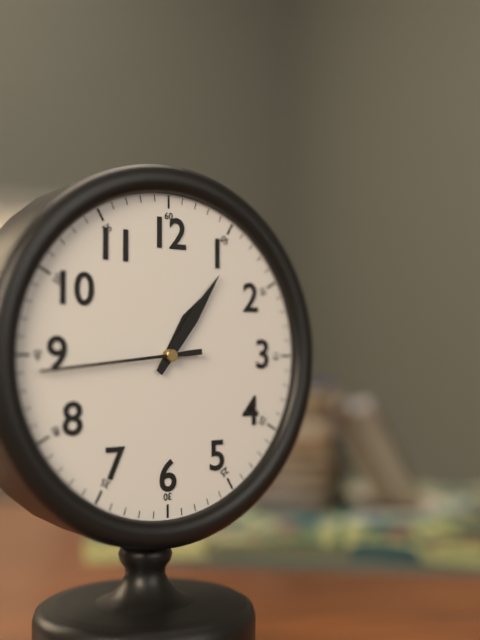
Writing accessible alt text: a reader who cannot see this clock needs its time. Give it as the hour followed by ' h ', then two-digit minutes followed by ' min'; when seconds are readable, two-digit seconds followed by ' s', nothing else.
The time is 1 h 06 min 44 s
